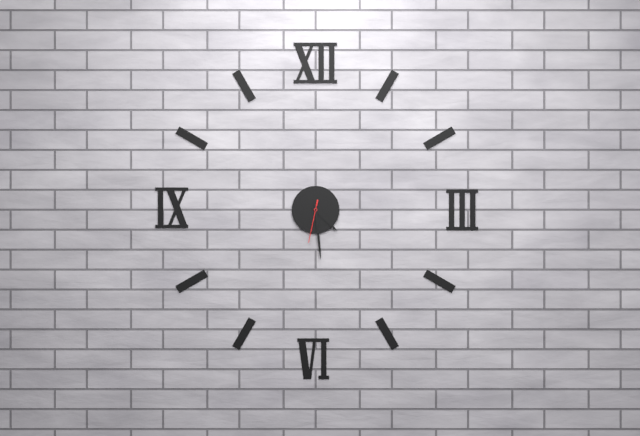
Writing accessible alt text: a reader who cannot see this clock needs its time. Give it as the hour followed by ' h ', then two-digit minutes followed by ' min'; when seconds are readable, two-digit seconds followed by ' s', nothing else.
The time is 4 h 29 min
